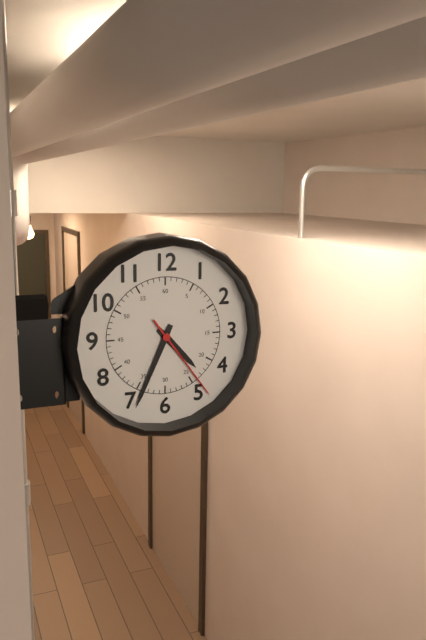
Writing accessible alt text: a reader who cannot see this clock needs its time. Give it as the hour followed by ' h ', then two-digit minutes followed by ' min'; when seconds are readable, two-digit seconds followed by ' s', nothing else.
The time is 4 h 34 min 24 s
